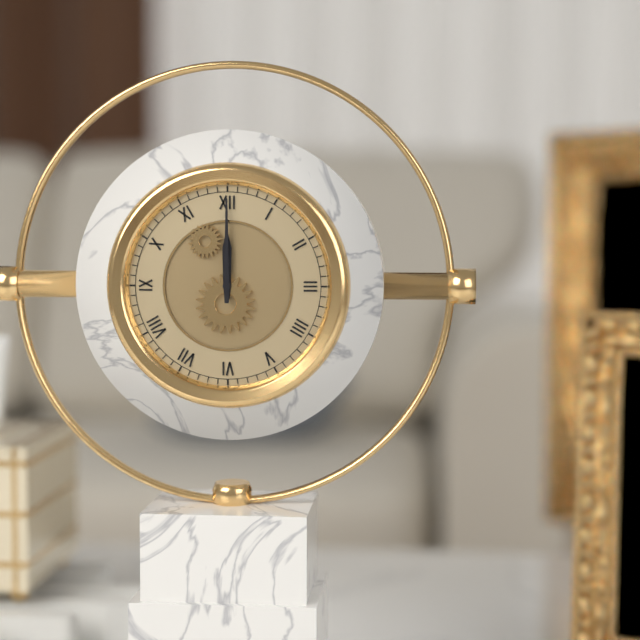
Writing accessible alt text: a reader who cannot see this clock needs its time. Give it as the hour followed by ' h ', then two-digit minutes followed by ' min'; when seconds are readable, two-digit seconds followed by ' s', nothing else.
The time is 12 h 00 min
